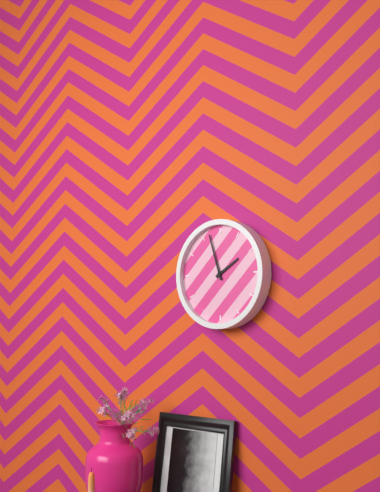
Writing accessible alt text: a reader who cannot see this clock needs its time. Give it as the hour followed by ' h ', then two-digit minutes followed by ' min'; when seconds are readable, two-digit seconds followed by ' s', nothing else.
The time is 1 h 57 min
